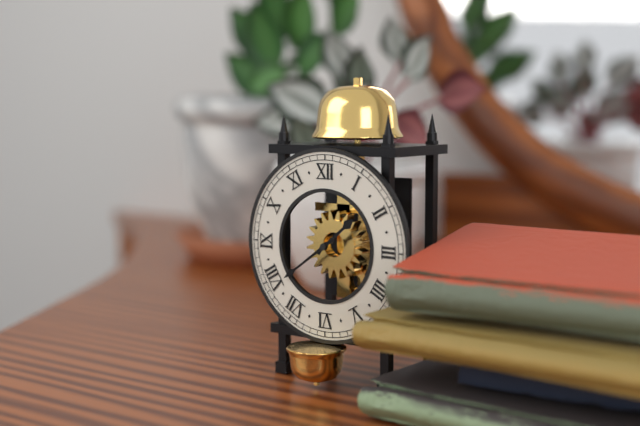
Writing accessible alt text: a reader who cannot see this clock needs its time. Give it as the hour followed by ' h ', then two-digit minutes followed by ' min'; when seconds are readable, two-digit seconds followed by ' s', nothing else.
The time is 1 h 39 min
